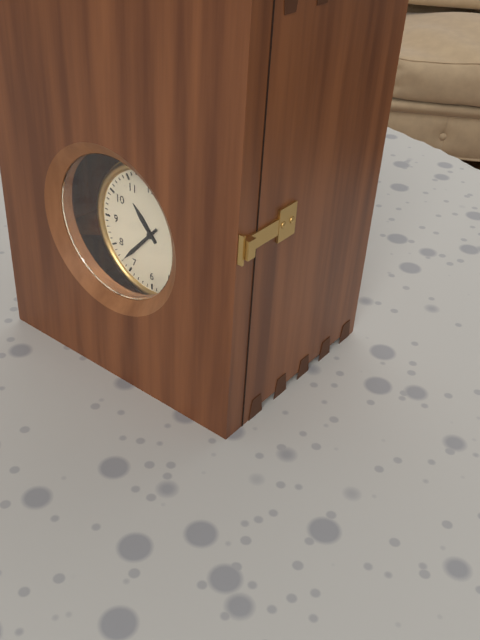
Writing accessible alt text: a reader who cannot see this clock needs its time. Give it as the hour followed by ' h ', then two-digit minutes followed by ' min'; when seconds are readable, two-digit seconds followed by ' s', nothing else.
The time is 10 h 37 min
